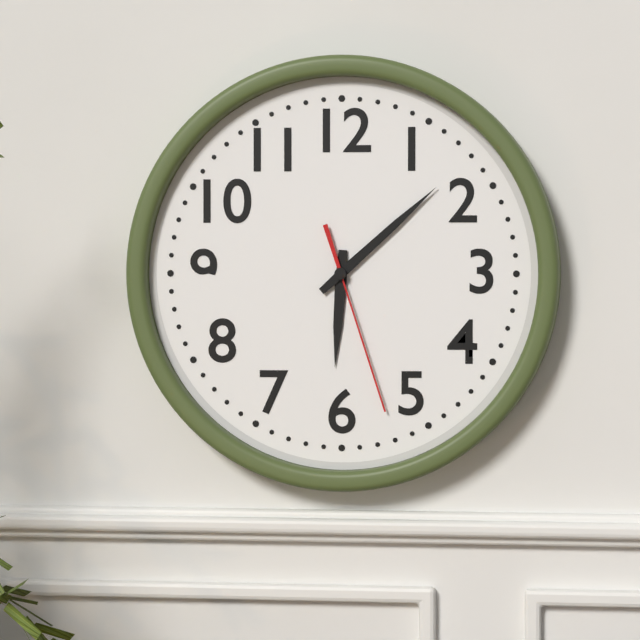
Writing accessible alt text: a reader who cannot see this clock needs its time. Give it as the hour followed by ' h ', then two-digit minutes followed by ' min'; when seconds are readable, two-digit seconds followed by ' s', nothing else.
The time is 6 h 08 min 27 s
